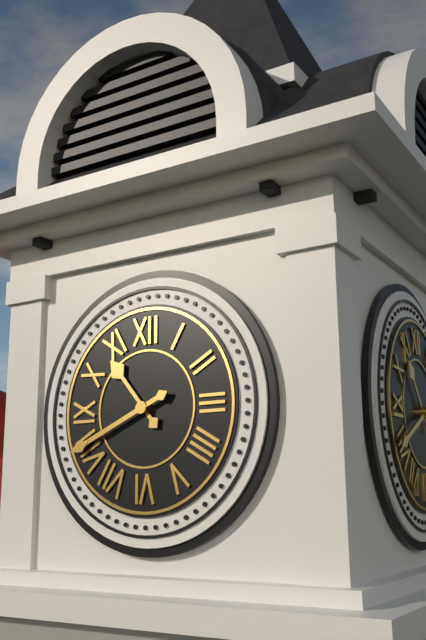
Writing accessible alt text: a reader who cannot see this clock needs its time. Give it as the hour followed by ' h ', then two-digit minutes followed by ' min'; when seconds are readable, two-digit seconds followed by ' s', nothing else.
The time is 10 h 41 min
